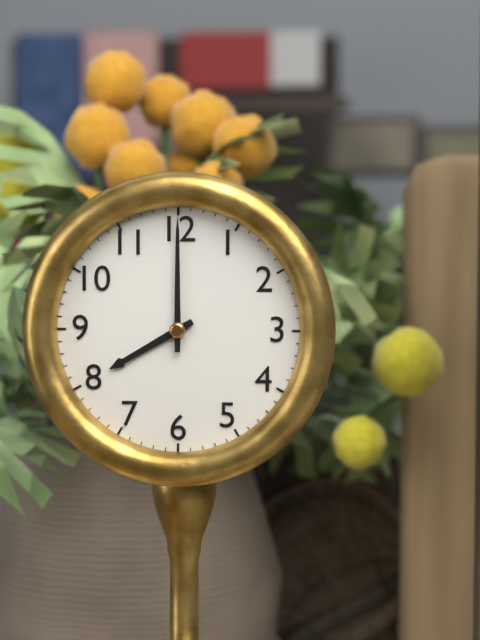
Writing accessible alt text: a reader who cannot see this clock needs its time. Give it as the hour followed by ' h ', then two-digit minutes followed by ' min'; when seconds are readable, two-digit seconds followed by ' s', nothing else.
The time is 8 h 00 min
